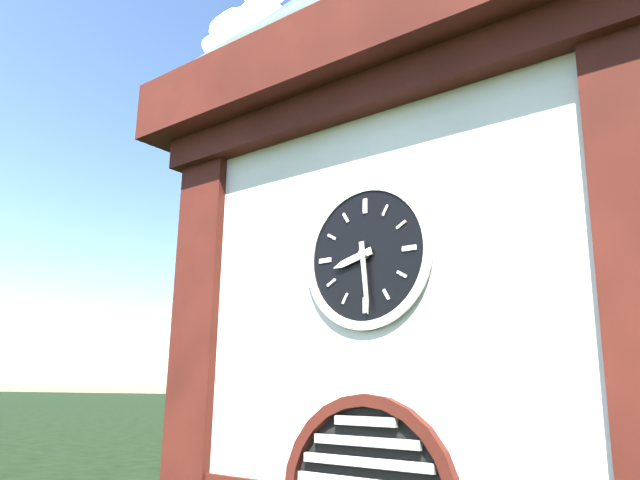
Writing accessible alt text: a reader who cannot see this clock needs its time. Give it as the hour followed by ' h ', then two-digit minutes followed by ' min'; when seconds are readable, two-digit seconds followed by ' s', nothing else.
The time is 8 h 29 min
